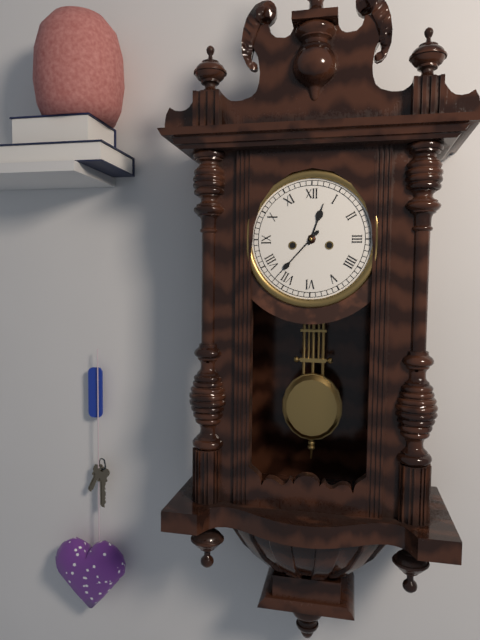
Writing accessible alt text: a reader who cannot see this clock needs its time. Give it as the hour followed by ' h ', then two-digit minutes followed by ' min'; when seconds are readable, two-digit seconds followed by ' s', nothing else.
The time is 12 h 37 min
